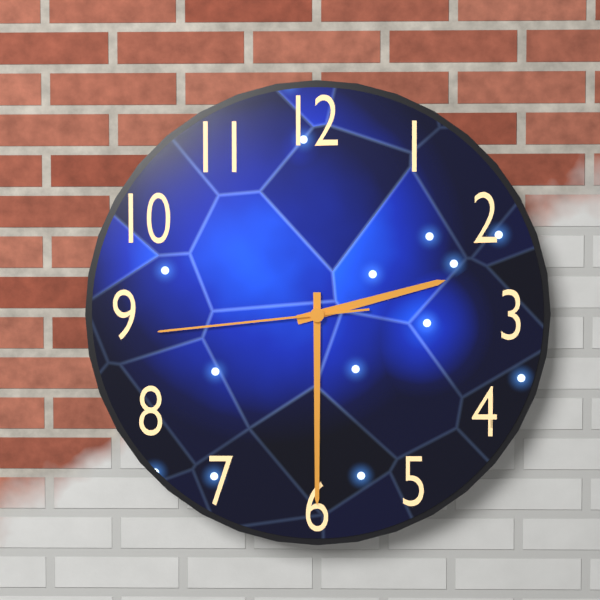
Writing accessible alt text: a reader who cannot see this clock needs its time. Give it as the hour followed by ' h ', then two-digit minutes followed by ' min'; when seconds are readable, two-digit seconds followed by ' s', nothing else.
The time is 2 h 30 min 44 s
